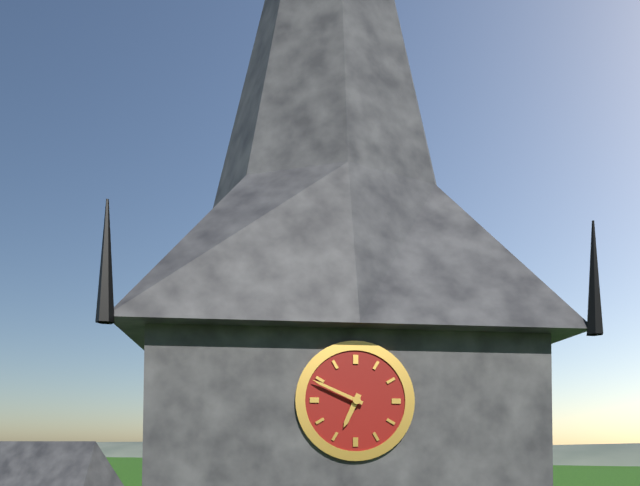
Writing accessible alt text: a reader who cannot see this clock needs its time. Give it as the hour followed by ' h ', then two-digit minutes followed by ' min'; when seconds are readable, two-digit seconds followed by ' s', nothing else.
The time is 6 h 49 min
